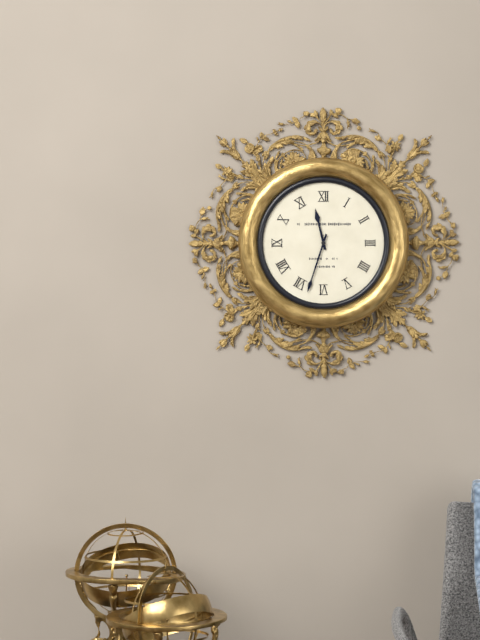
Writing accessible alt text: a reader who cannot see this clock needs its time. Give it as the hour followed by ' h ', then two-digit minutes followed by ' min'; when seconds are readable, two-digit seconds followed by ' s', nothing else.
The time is 11 h 33 min
